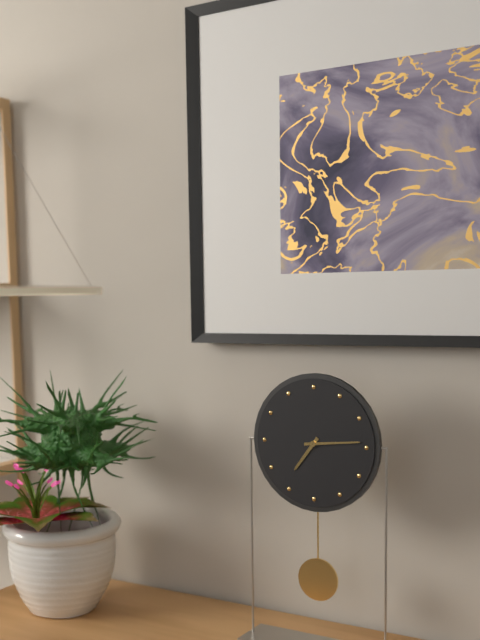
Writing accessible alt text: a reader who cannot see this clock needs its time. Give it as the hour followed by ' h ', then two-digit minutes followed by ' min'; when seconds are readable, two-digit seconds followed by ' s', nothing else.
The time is 7 h 14 min
